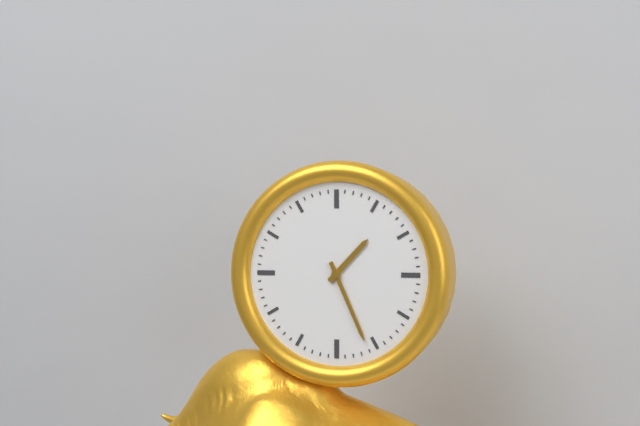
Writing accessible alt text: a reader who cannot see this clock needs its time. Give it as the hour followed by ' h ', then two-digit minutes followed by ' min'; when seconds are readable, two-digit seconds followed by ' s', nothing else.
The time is 1 h 26 min
